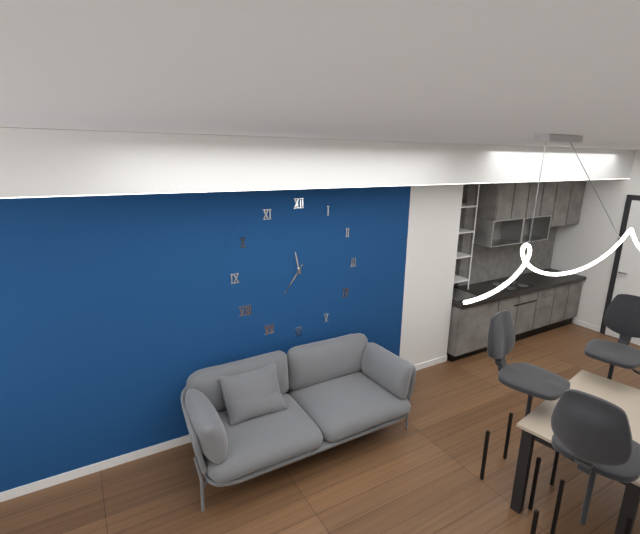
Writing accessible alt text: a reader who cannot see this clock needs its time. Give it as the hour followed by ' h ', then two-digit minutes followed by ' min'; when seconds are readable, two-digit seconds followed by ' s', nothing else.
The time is 11 h 36 min
